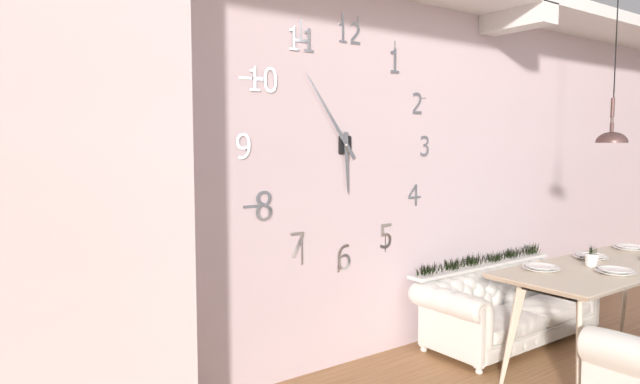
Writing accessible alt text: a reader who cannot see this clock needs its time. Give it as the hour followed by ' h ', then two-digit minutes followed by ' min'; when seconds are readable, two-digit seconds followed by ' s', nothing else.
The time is 5 h 54 min
